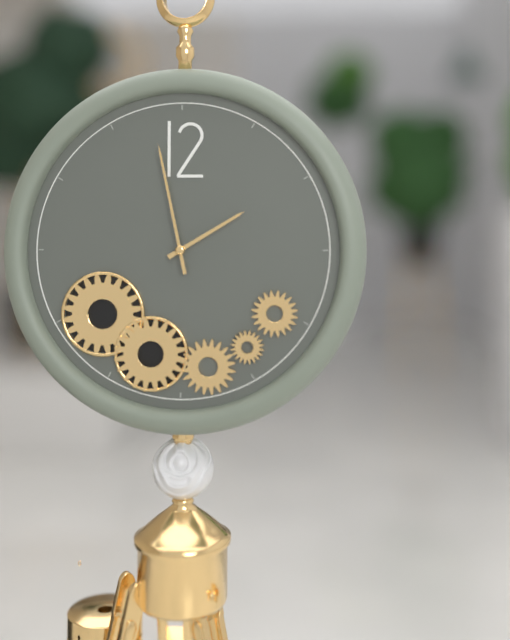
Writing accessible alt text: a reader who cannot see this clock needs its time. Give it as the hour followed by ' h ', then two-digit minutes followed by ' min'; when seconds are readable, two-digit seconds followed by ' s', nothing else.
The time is 1 h 58 min
